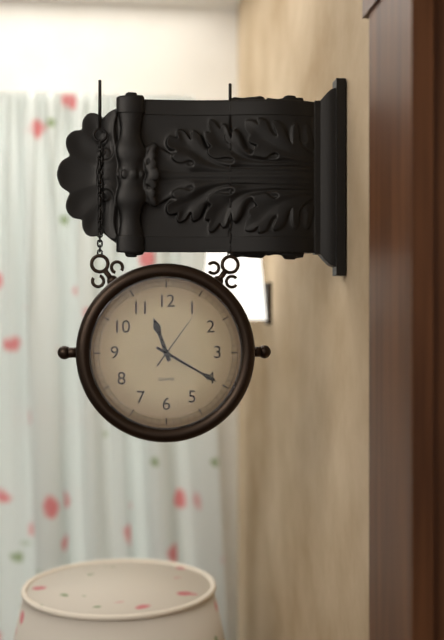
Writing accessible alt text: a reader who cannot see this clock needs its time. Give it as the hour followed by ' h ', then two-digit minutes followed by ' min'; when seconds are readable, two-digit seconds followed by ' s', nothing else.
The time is 11 h 20 min 06 s
